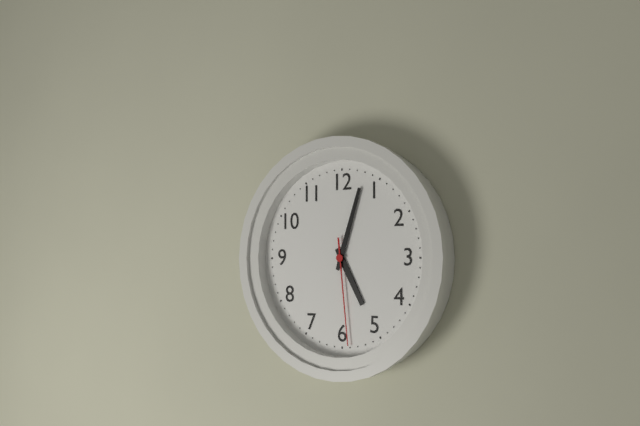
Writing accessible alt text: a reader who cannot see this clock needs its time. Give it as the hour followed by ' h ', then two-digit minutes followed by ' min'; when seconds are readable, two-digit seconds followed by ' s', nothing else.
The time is 5 h 03 min 29 s
